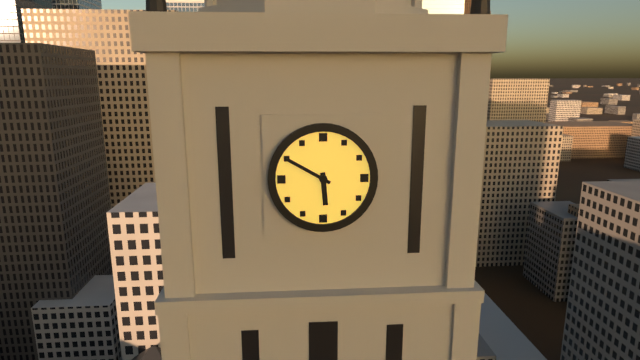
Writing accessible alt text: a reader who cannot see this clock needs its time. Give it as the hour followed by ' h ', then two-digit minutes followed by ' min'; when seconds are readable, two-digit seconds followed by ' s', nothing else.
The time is 5 h 50 min
